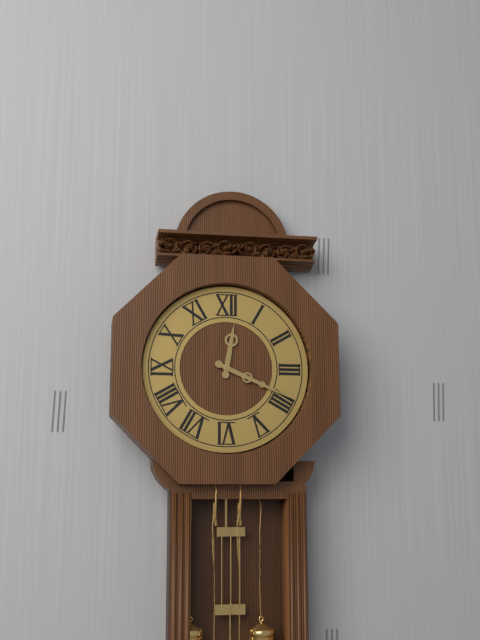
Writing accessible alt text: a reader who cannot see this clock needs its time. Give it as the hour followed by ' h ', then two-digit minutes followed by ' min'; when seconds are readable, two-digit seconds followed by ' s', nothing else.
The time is 12 h 19 min
